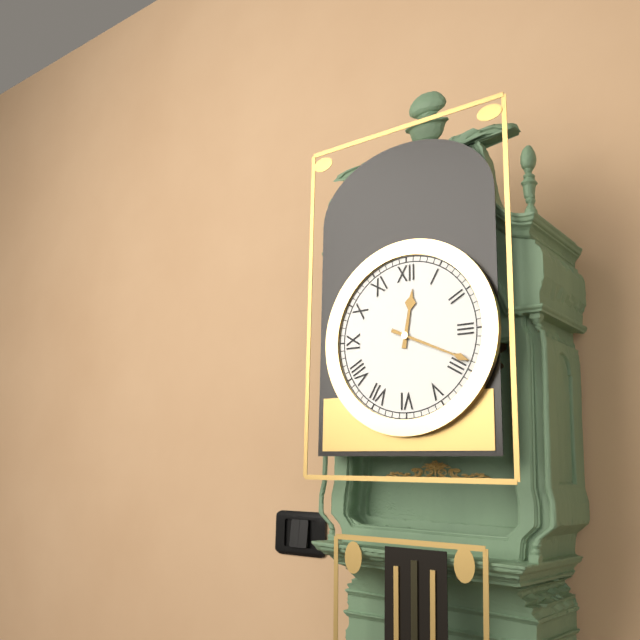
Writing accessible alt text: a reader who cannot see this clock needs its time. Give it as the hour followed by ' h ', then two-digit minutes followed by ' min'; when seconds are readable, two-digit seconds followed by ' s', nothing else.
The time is 12 h 19 min
